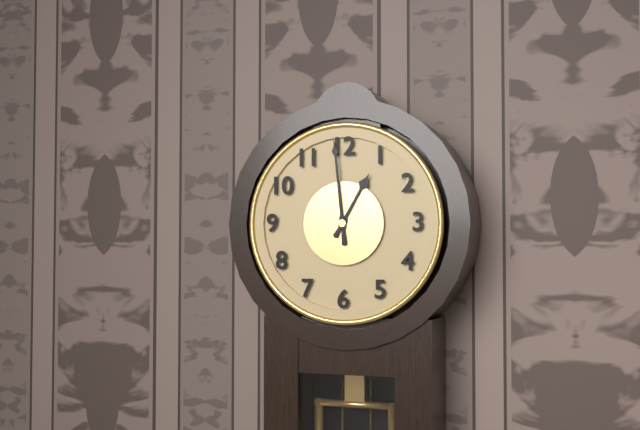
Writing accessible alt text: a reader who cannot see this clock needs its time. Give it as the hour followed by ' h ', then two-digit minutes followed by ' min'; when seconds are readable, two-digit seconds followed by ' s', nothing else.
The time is 12 h 59 min
